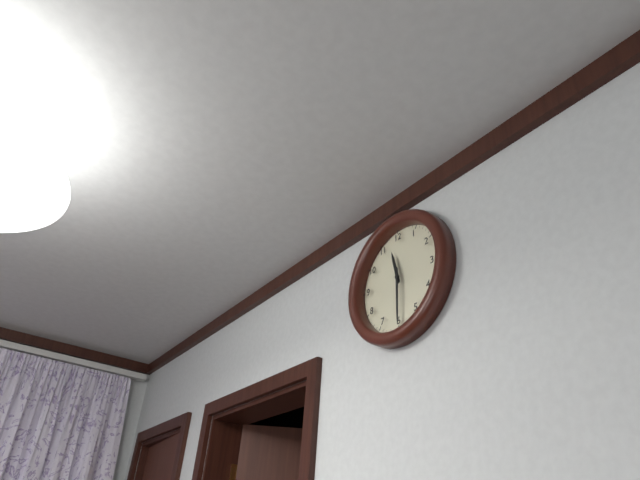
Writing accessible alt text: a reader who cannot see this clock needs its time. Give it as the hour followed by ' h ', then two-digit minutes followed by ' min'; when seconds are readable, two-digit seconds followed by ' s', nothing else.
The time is 11 h 30 min
